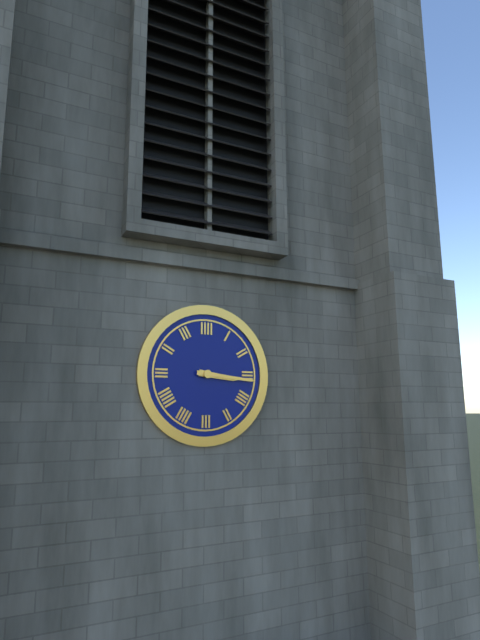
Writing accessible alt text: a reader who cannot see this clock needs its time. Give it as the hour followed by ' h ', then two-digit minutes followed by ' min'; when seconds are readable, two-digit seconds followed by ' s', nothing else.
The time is 3 h 16 min
